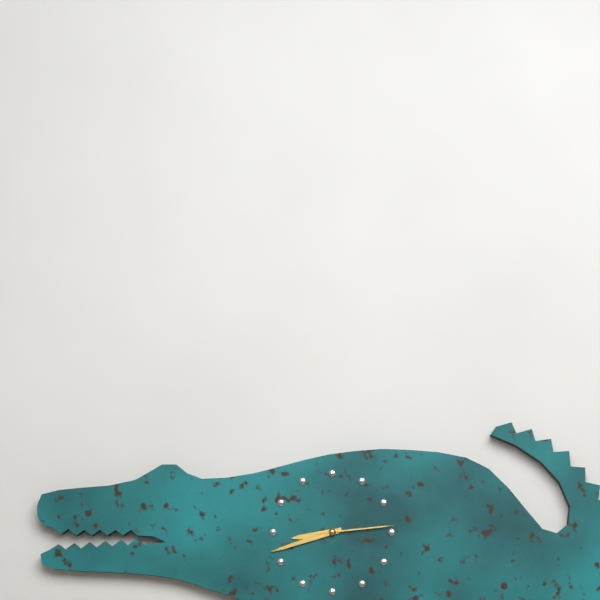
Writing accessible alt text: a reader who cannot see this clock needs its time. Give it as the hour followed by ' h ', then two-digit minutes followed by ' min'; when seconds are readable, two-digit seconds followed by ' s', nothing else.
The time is 8 h 42 min 14 s
